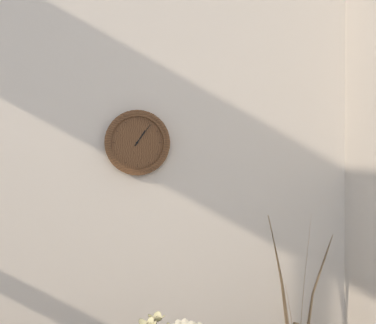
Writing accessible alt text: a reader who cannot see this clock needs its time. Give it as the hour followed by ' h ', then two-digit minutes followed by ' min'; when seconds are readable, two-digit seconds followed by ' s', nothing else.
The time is 1 h 06 min
